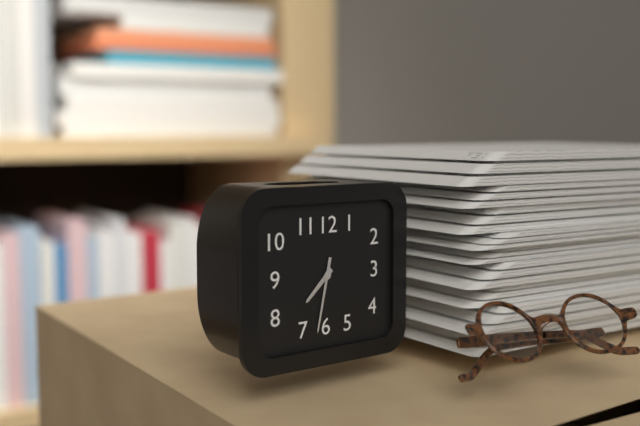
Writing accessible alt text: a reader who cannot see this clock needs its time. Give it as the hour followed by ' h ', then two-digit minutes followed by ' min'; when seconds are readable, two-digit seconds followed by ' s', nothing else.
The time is 7 h 32 min
